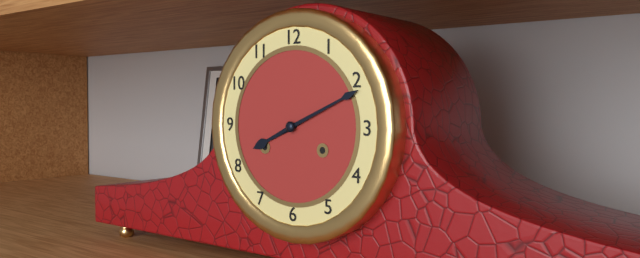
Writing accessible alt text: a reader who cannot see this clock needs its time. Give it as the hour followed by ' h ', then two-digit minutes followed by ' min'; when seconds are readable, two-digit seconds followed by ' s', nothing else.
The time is 8 h 11 min
